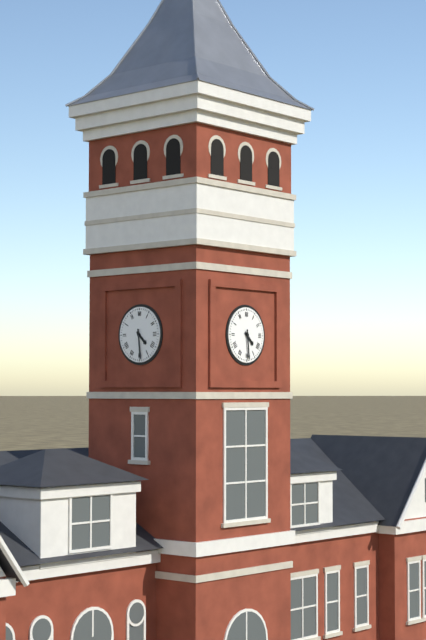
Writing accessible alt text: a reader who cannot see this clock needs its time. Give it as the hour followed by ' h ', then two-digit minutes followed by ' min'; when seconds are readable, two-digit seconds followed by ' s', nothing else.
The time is 4 h 29 min
